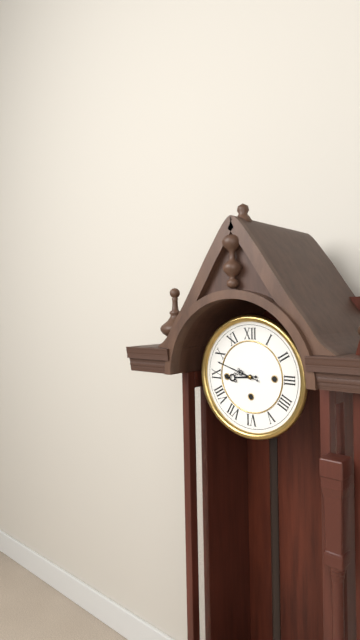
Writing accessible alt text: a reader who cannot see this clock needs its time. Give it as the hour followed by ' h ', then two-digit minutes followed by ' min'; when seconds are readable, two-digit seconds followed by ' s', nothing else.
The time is 8 h 48 min
